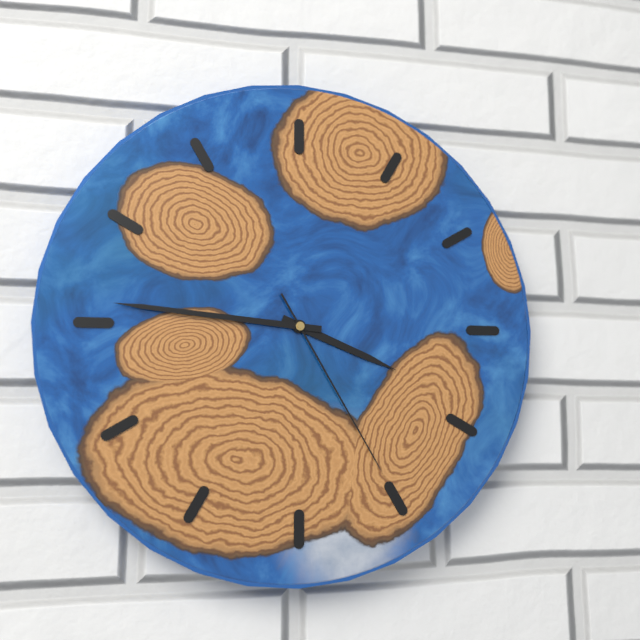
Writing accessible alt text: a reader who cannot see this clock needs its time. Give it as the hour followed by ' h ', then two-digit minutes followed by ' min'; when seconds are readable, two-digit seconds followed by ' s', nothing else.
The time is 3 h 46 min 25 s
